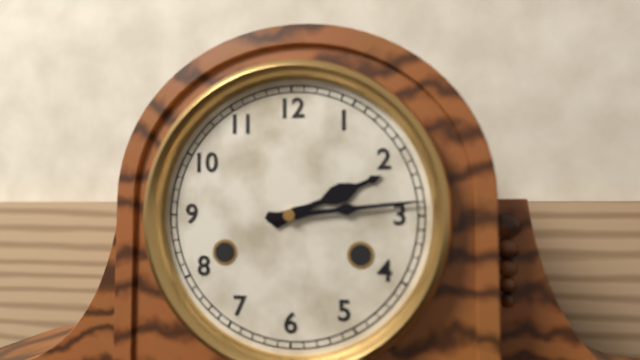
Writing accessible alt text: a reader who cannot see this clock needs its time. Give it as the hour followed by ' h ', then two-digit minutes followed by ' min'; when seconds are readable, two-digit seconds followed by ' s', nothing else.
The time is 2 h 14 min
